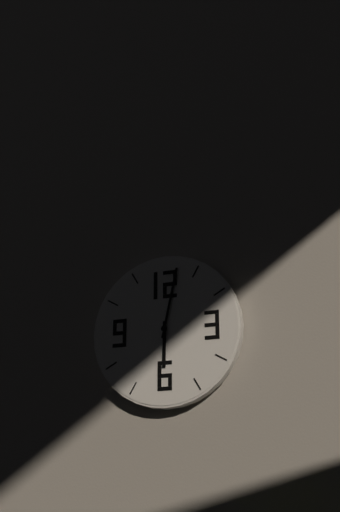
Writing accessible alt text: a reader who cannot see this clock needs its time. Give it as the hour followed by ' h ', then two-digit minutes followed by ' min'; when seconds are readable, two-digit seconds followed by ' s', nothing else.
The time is 6 h 02 min
